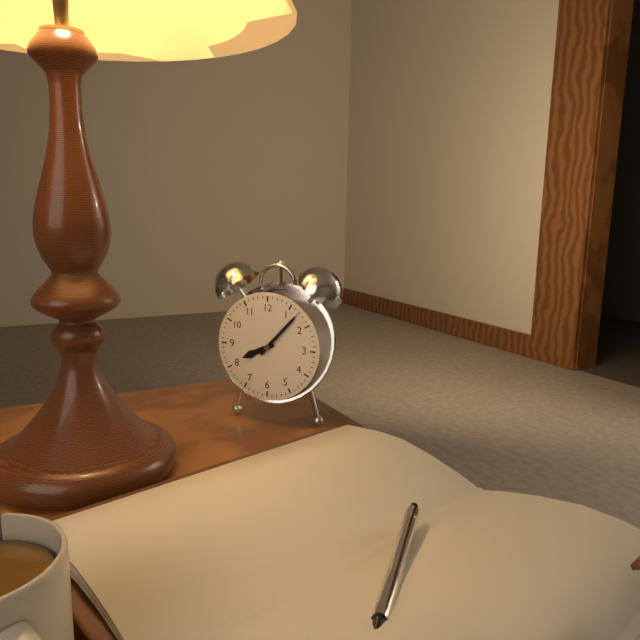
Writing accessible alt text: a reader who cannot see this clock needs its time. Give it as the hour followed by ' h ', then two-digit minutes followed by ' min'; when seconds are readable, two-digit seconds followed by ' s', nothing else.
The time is 8 h 07 min
